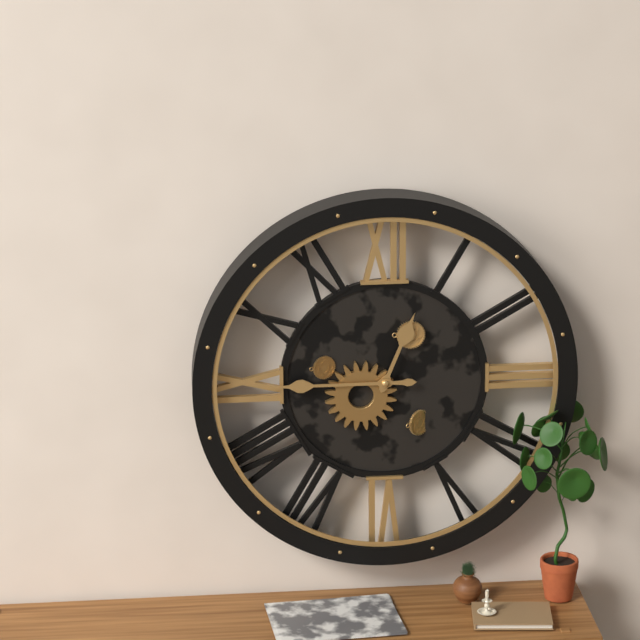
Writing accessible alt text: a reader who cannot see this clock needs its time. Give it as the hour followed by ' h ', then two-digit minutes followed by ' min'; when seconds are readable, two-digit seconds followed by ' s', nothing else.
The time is 12 h 45 min
